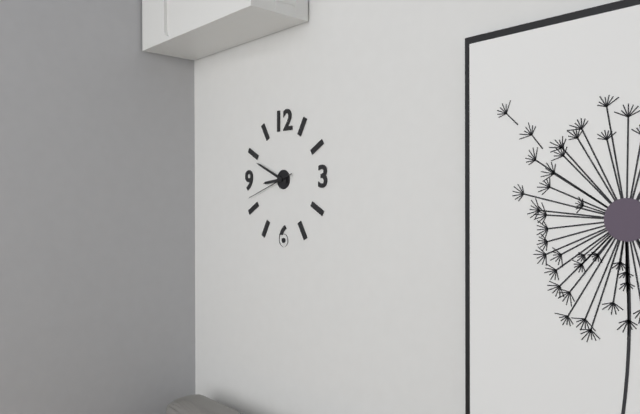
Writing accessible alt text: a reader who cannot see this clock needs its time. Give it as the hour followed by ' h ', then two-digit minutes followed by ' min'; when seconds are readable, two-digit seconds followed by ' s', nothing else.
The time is 8 h 49 min
